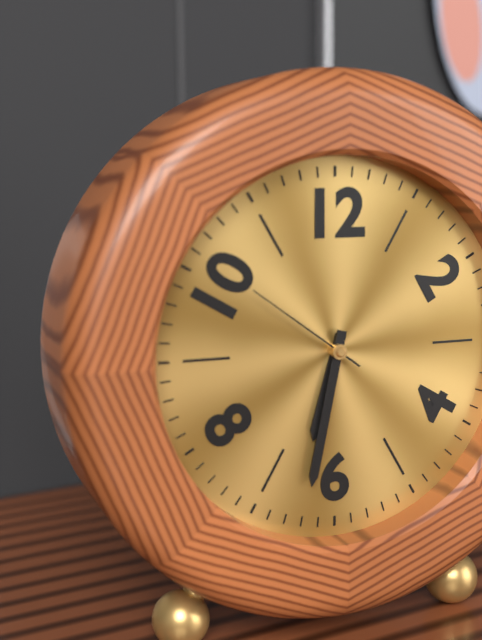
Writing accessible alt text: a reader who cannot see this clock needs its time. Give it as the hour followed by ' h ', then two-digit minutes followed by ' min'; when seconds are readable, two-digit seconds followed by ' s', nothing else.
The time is 6 h 32 min 51 s
